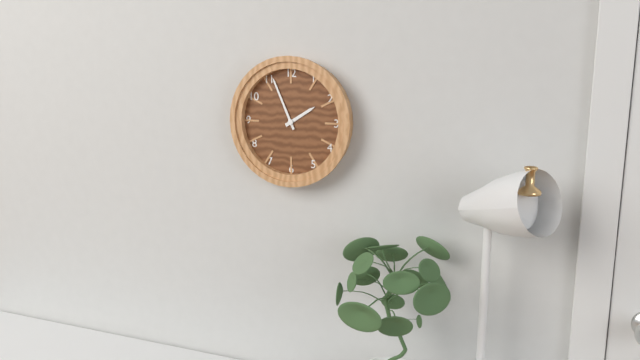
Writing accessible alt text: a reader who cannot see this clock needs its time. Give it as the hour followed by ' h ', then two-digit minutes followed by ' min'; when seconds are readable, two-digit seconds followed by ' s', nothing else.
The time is 1 h 56 min
